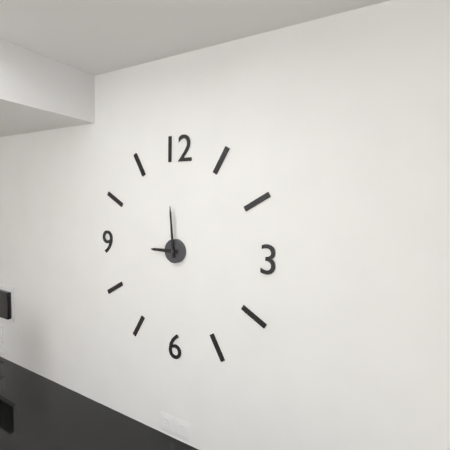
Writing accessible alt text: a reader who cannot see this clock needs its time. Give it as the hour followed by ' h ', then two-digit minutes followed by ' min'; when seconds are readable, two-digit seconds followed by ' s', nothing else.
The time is 8 h 59 min
